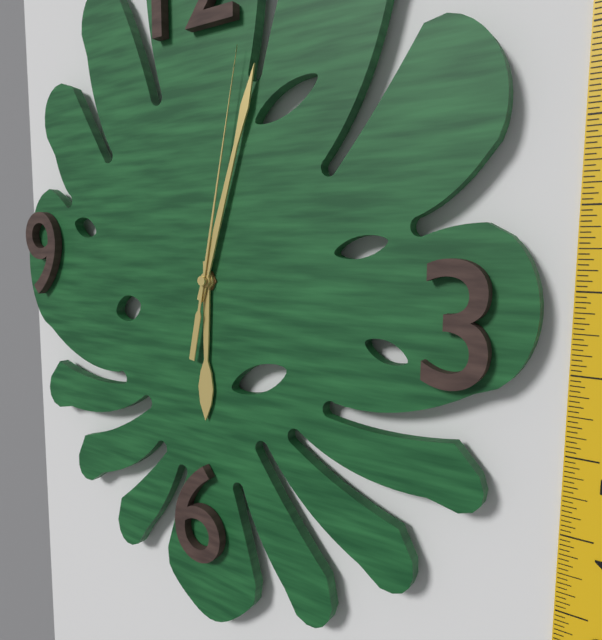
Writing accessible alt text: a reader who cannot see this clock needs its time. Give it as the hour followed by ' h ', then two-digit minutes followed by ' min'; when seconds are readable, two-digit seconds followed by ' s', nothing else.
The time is 6 h 03 min 02 s
